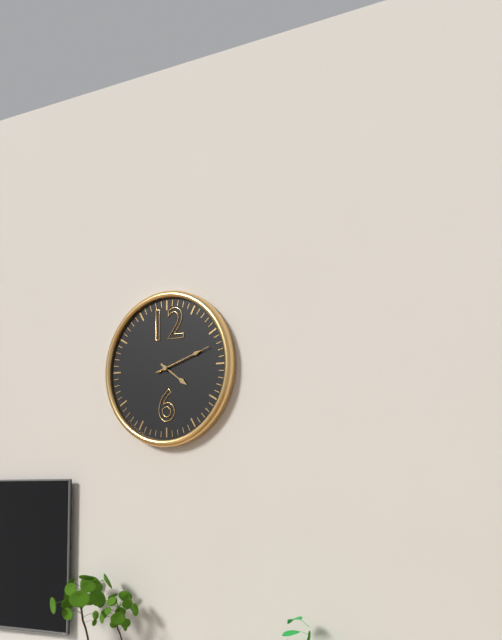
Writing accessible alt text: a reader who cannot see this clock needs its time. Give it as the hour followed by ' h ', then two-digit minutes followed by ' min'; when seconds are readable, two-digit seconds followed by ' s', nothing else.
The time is 4 h 12 min 12 s
